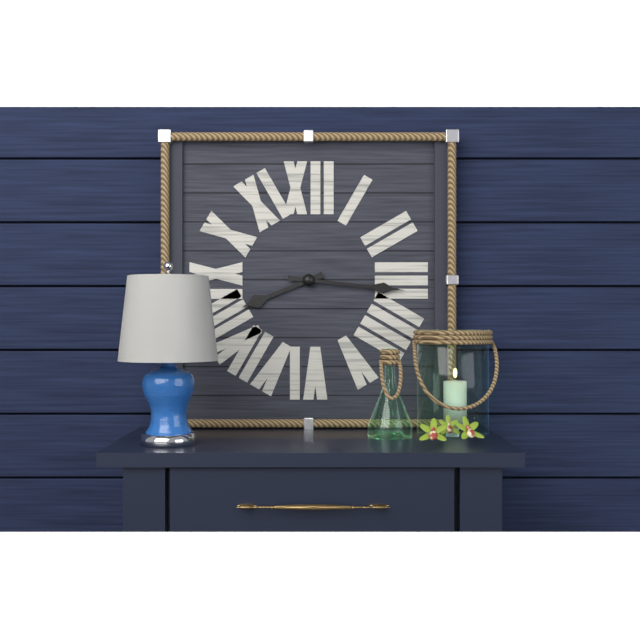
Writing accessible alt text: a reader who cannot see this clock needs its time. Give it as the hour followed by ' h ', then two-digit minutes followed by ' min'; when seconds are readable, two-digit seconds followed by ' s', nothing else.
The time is 8 h 16 min
